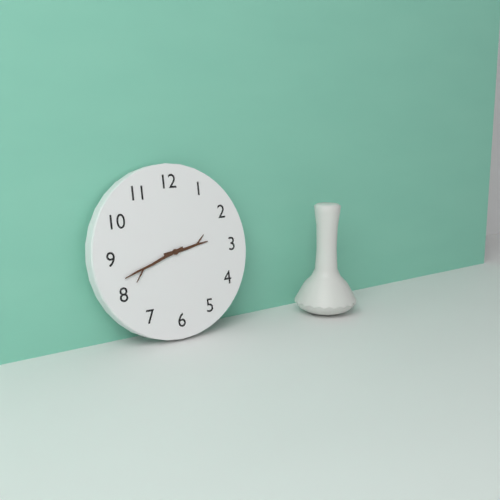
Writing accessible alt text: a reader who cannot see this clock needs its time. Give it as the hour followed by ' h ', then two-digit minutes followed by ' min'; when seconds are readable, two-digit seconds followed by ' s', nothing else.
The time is 2 h 42 min
